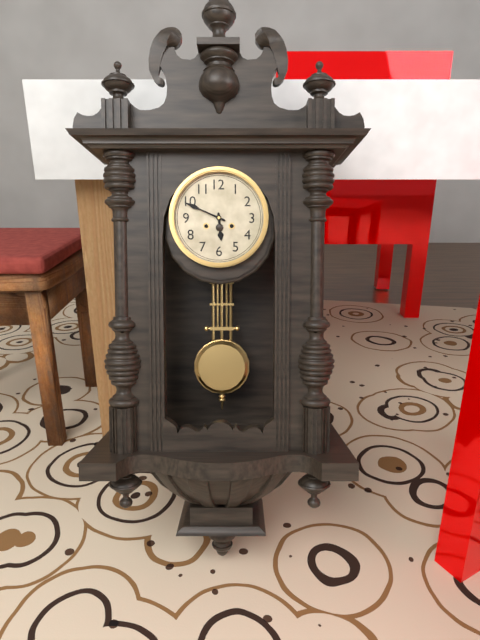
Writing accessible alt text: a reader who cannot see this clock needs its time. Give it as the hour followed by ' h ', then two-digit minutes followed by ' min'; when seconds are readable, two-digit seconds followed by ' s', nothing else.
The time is 5 h 49 min
